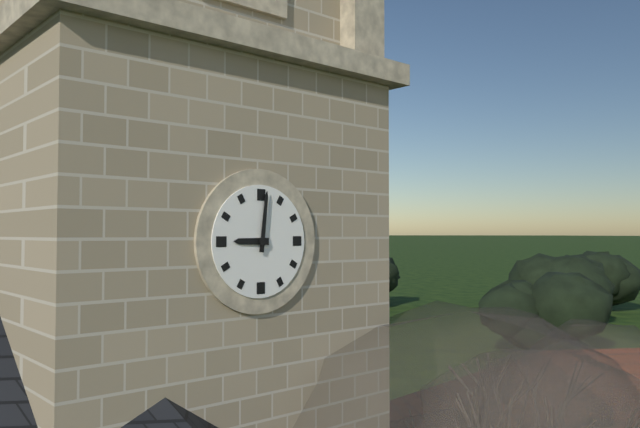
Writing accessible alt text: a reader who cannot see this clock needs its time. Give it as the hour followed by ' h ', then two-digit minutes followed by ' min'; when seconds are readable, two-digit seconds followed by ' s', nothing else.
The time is 9 h 01 min
